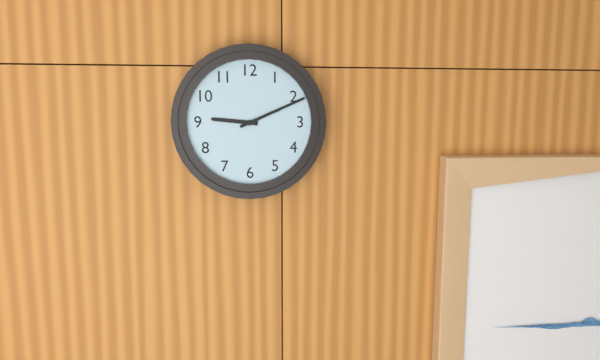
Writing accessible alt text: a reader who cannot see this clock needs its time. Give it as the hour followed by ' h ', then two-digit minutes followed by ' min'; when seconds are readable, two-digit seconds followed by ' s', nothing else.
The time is 9 h 11 min
